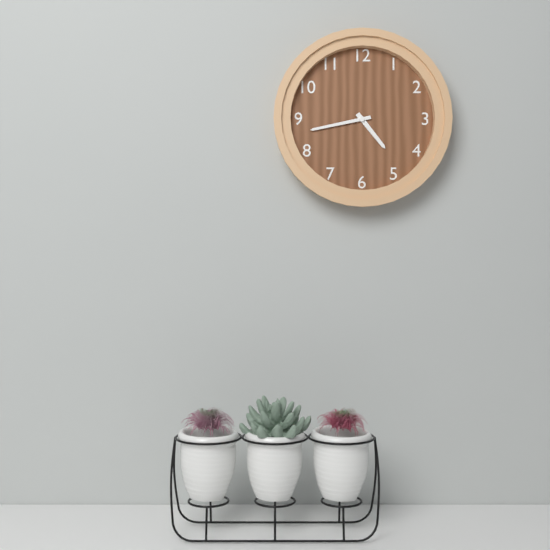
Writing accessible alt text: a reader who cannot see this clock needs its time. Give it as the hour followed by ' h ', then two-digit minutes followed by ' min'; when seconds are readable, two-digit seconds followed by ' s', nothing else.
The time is 4 h 43 min
